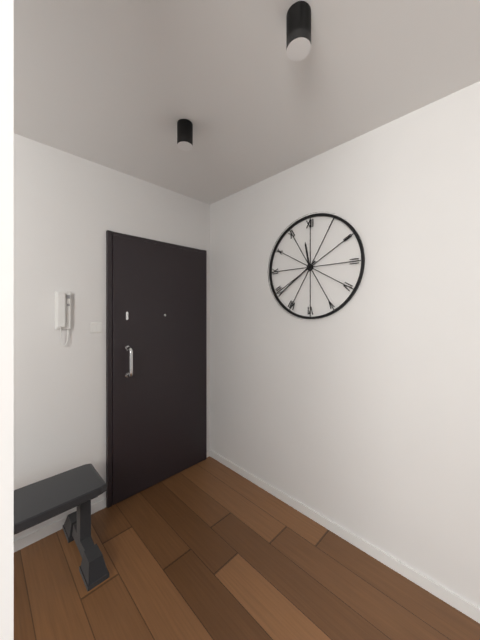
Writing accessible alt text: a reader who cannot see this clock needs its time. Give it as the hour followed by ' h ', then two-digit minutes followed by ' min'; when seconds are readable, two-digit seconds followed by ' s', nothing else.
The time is 11 h 39 min
